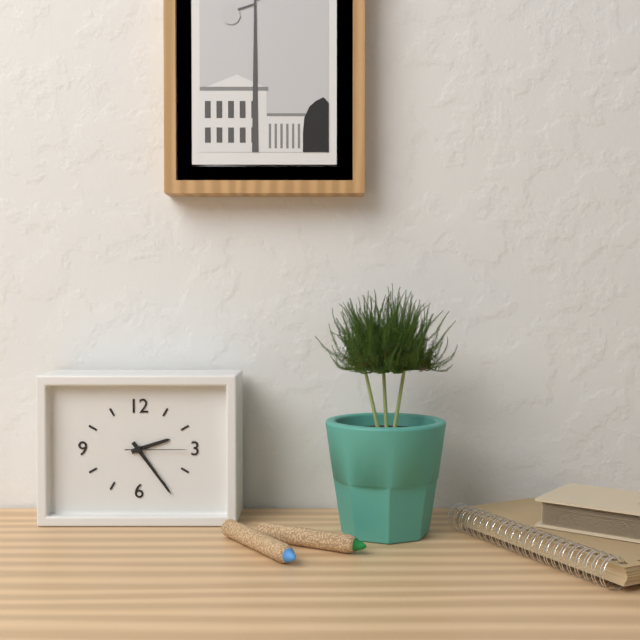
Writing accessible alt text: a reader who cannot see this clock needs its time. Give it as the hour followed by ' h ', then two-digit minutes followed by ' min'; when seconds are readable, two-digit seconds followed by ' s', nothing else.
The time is 2 h 24 min 15 s
